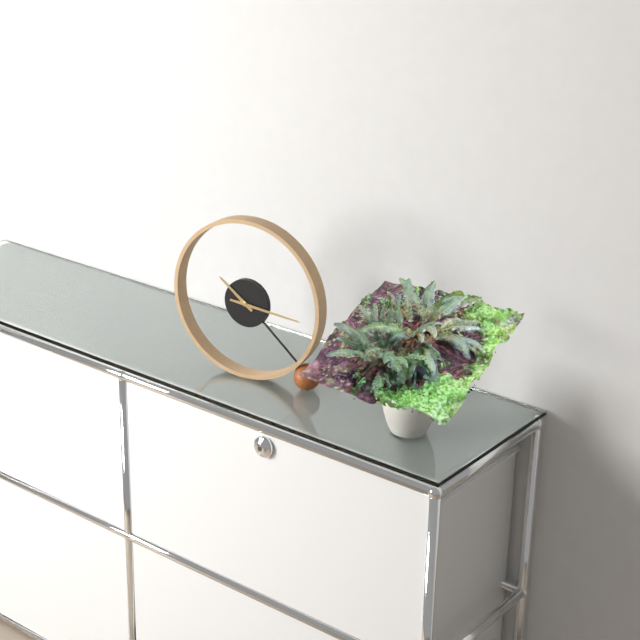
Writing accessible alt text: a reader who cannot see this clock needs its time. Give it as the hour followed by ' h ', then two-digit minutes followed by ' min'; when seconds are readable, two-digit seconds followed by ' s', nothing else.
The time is 10 h 16 min
